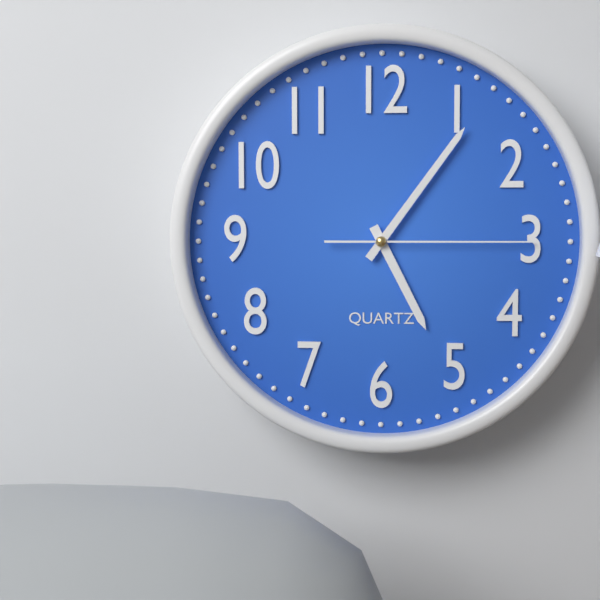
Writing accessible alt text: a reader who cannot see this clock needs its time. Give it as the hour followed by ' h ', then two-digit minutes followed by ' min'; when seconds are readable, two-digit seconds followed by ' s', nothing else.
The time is 5 h 06 min 15 s
